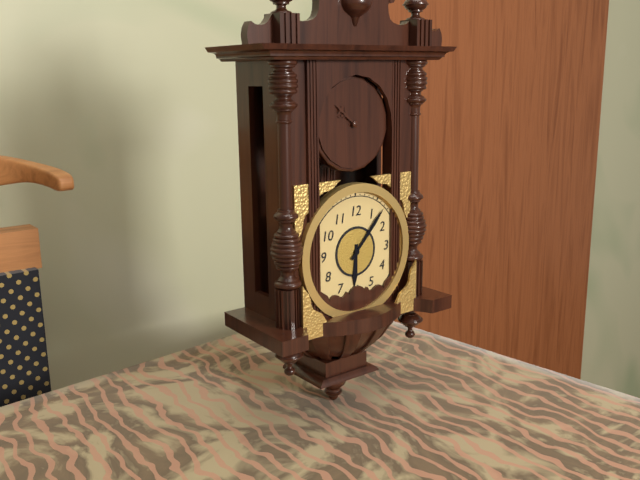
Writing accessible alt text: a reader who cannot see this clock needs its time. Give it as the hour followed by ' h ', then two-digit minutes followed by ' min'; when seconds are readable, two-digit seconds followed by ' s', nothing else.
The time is 6 h 07 min
